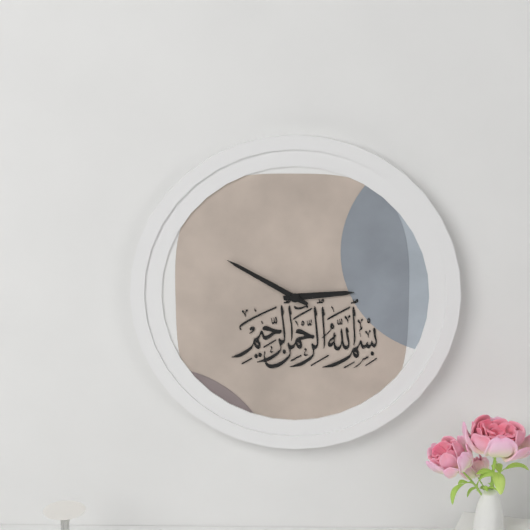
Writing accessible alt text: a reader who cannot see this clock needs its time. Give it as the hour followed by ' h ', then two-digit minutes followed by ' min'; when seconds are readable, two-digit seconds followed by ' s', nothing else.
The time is 2 h 50 min
